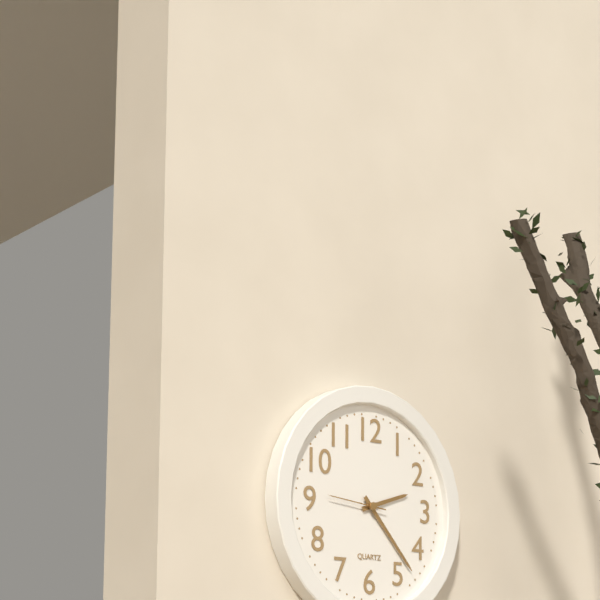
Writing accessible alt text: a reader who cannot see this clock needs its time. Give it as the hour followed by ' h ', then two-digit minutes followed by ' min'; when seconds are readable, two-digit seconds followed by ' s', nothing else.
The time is 2 h 23 min 46 s
